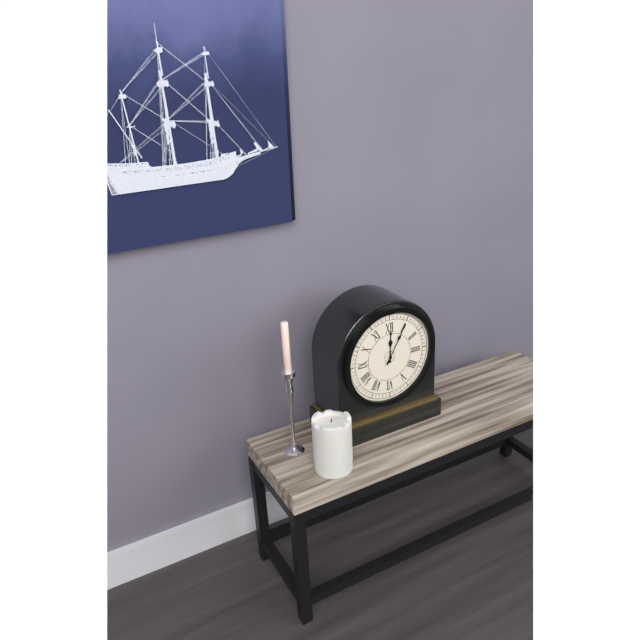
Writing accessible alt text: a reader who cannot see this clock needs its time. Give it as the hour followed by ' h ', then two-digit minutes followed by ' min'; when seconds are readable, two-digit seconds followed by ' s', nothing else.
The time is 12 h 05 min
